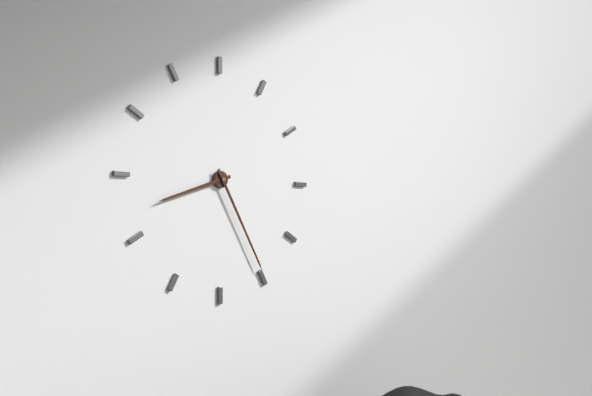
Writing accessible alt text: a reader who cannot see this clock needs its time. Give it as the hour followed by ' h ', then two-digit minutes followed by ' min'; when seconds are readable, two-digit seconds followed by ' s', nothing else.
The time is 8 h 25 min
